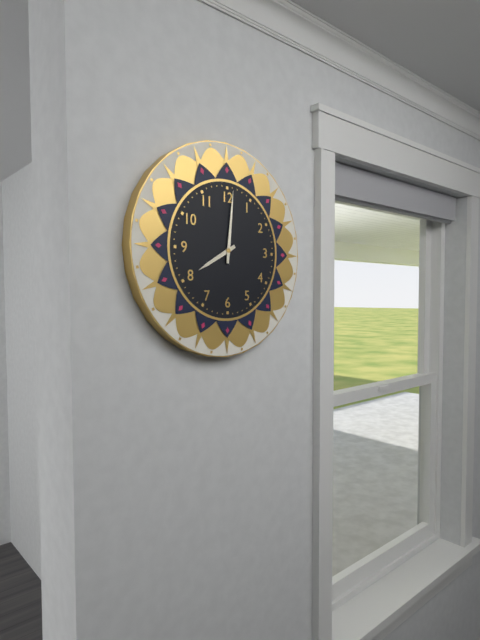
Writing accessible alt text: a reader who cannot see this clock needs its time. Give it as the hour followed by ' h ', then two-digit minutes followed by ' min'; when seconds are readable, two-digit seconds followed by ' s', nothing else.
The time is 8 h 01 min
